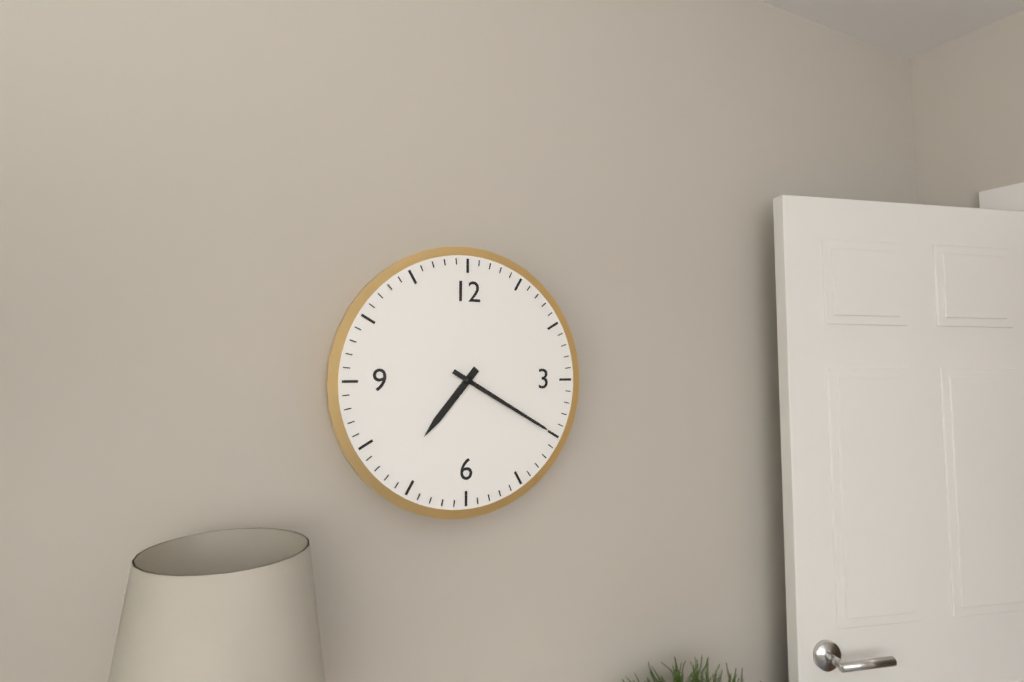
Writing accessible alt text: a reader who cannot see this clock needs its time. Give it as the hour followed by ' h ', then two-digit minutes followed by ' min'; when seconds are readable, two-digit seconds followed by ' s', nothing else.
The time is 7 h 20 min
